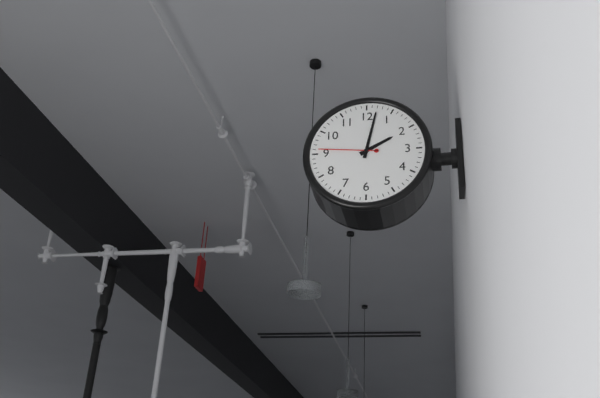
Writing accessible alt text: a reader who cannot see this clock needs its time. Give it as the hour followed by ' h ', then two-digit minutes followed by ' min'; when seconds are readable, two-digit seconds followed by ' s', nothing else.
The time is 2 h 02 min 46 s
